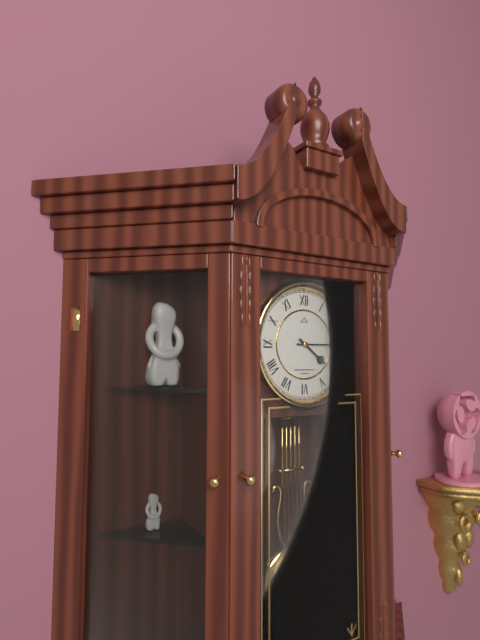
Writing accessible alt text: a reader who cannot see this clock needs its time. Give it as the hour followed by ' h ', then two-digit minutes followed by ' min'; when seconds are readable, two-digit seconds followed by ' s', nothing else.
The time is 4 h 15 min
